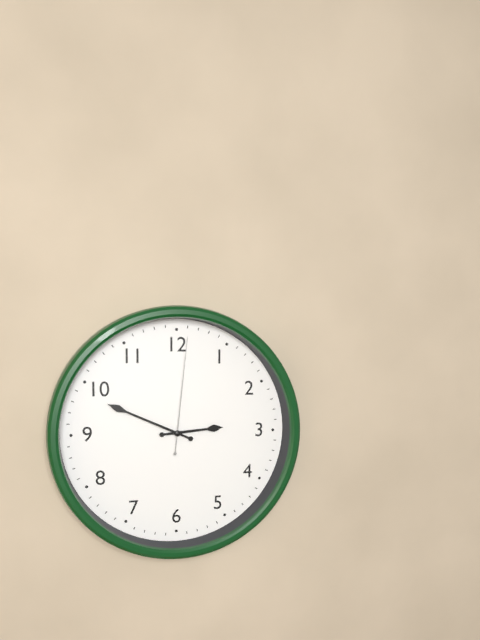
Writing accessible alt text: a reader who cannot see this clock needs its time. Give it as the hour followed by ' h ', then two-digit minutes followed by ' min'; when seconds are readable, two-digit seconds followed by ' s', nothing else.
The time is 2 h 49 min 01 s
